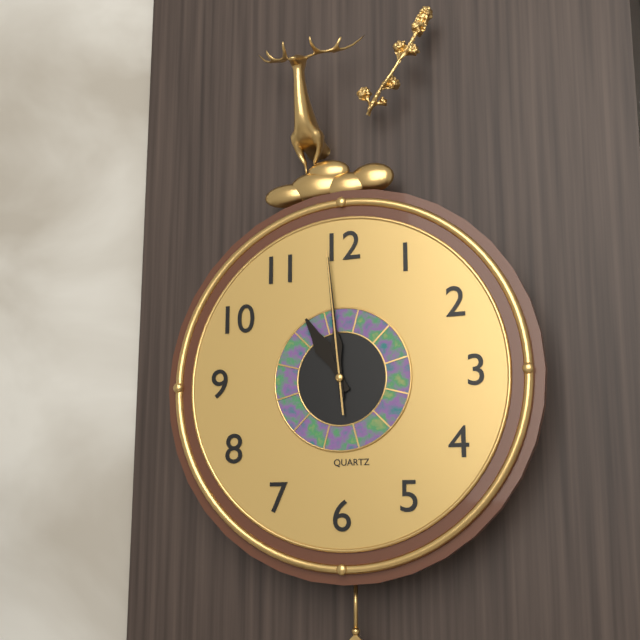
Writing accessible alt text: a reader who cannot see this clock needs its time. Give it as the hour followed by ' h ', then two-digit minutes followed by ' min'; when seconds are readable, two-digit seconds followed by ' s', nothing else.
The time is 10 h 59 min 59 s
